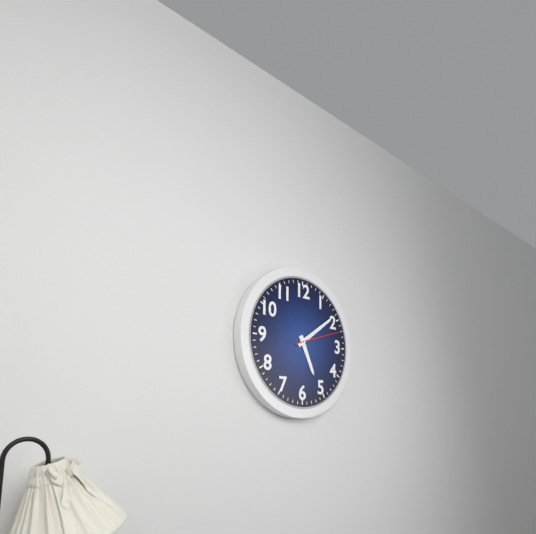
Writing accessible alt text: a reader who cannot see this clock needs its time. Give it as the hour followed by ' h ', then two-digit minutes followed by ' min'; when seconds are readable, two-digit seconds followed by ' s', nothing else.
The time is 5 h 09 min
